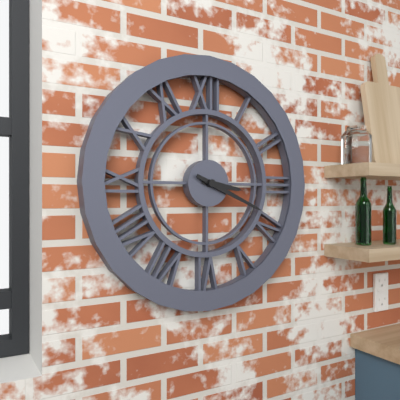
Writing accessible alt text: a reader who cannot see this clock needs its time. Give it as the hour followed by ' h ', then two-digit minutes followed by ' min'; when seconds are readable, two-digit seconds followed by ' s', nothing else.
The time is 3 h 19 min
